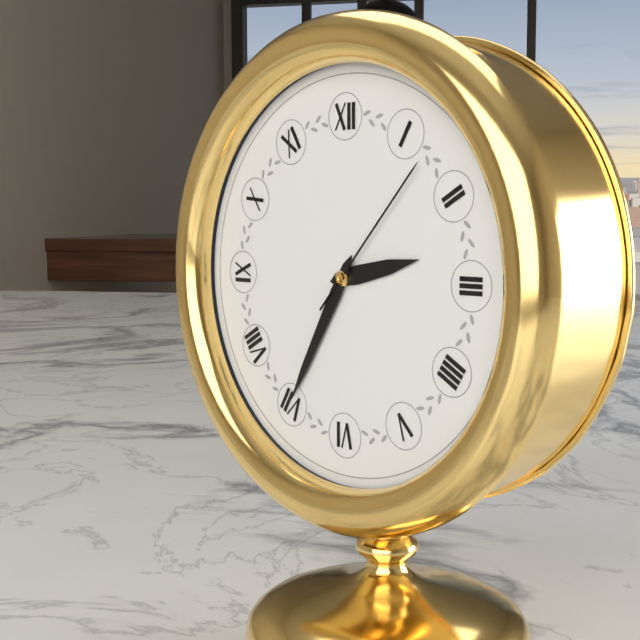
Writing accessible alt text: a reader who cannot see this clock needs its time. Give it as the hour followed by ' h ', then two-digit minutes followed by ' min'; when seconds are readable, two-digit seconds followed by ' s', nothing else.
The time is 2 h 35 min 07 s
